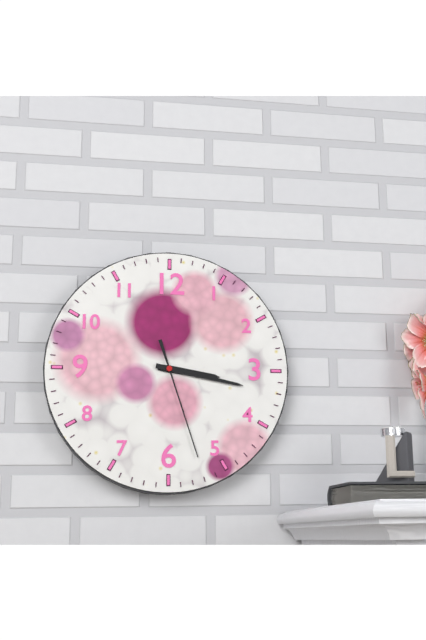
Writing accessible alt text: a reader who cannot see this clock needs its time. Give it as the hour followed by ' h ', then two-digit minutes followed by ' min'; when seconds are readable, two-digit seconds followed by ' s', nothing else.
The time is 3 h 17 min 27 s
